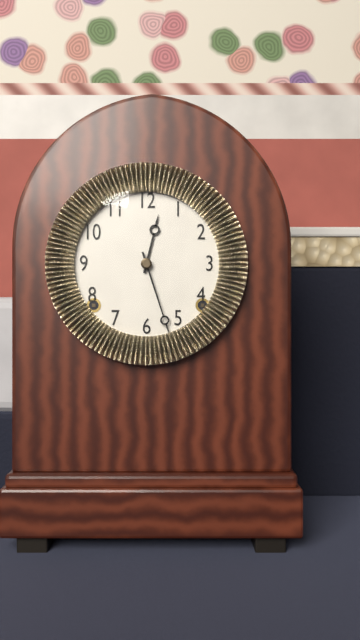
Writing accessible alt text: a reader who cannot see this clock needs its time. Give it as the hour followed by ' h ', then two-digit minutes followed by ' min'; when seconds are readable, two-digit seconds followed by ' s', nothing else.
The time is 12 h 27 min
